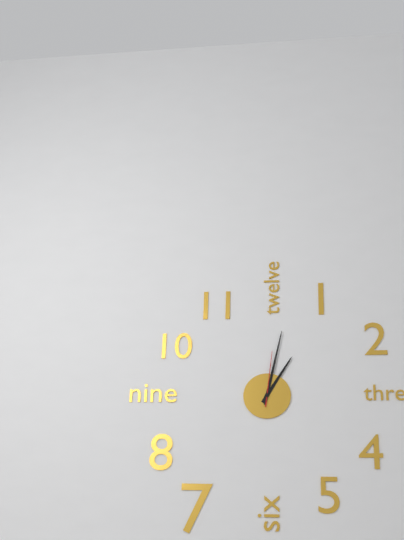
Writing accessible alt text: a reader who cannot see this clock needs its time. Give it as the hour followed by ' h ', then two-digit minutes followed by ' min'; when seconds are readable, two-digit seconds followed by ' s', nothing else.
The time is 1 h 02 min 01 s
